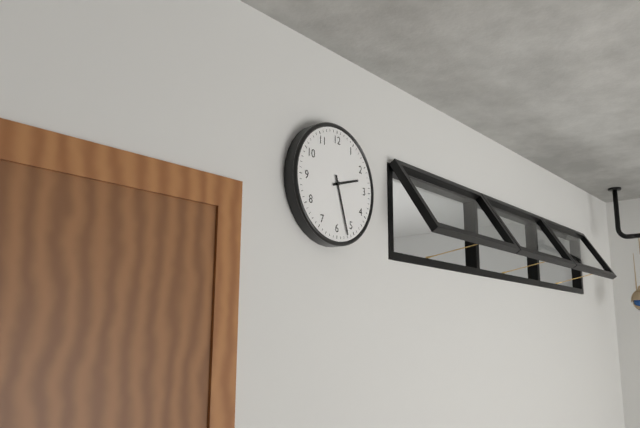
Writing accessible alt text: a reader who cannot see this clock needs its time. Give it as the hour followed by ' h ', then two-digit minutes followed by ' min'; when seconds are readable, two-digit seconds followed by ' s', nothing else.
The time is 2 h 27 min
